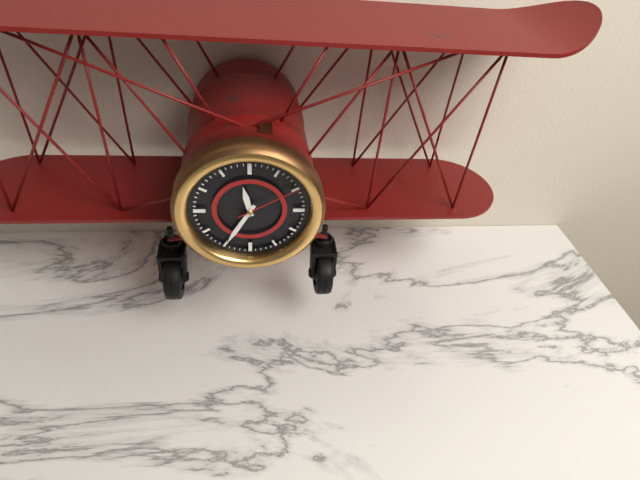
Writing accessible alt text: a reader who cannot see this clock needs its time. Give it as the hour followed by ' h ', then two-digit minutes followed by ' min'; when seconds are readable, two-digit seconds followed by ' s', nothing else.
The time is 11 h 35 min 10 s
